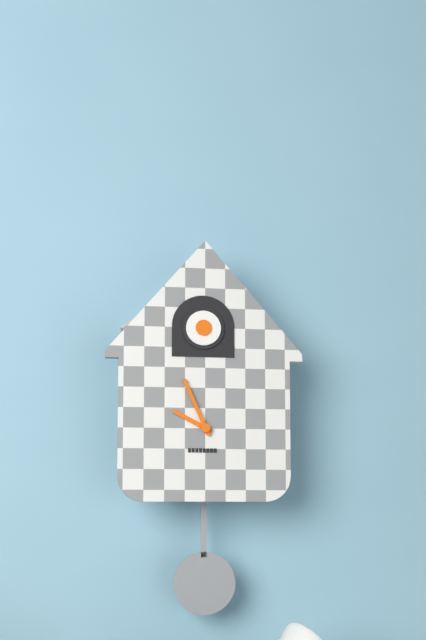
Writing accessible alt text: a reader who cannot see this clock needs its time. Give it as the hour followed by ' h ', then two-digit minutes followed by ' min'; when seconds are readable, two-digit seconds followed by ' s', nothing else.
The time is 9 h 56 min
